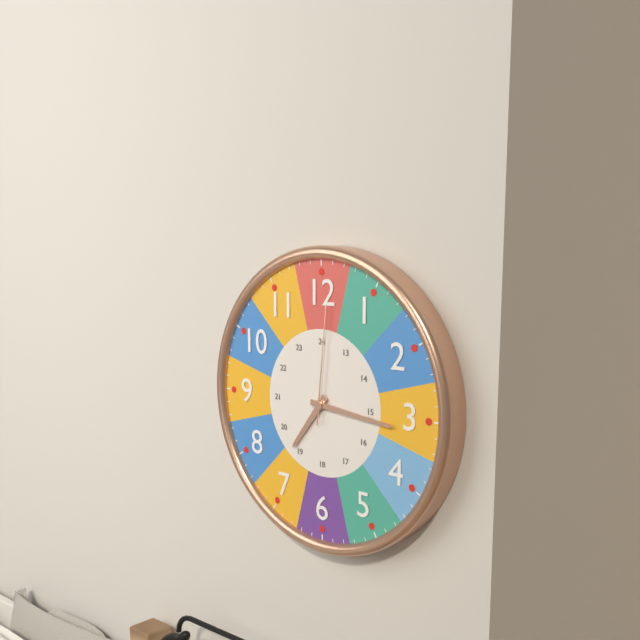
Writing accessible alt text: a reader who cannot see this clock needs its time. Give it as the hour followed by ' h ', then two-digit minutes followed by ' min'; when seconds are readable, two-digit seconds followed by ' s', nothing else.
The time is 7 h 16 min 01 s
